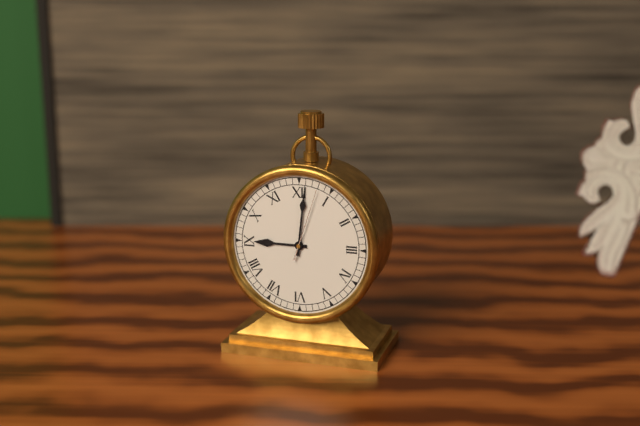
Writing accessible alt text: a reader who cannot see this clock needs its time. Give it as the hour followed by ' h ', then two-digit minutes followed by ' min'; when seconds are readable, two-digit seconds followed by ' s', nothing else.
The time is 9 h 01 min 03 s
